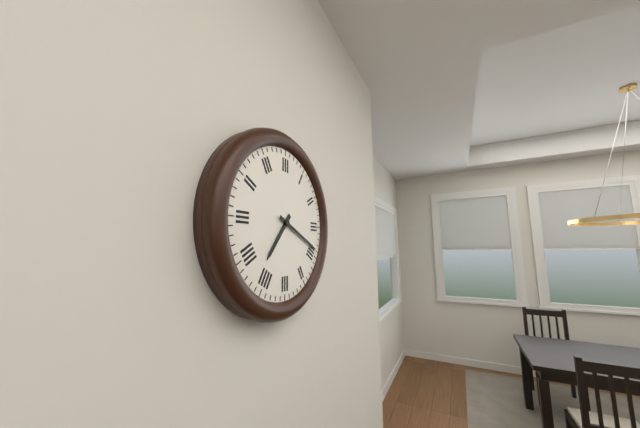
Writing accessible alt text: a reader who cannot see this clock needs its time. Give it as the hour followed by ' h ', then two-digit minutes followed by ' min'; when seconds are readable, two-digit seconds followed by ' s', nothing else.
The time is 7 h 19 min
